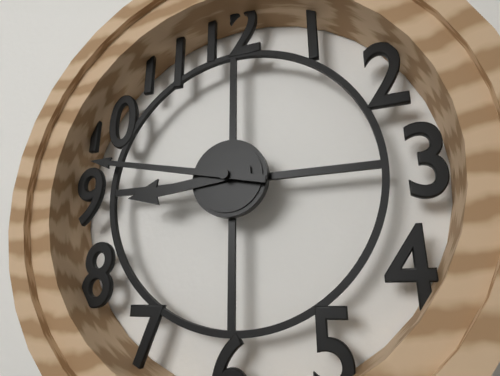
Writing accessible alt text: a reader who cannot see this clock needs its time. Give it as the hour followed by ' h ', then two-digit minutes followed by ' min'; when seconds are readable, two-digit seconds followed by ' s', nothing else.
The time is 8 h 47 min
